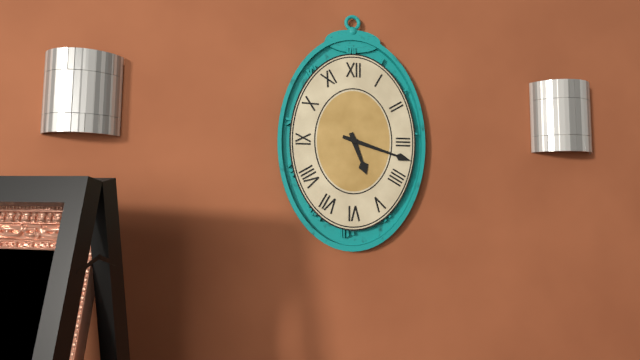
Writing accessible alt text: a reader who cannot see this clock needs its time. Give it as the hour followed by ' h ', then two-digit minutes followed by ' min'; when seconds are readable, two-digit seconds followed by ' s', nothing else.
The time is 5 h 18 min
